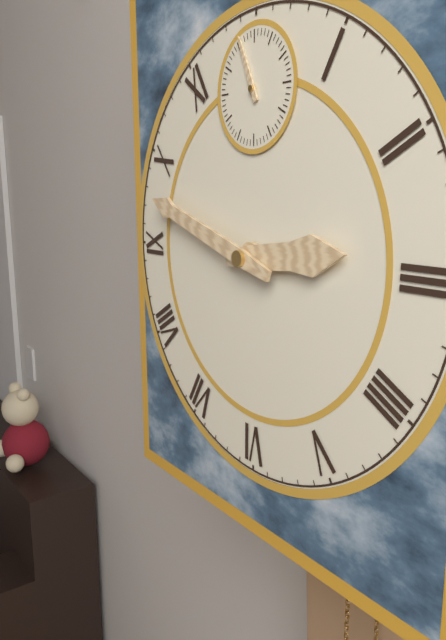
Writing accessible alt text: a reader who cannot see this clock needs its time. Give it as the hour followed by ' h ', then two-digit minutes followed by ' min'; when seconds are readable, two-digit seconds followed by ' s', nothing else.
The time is 2 h 48 min 56 s
